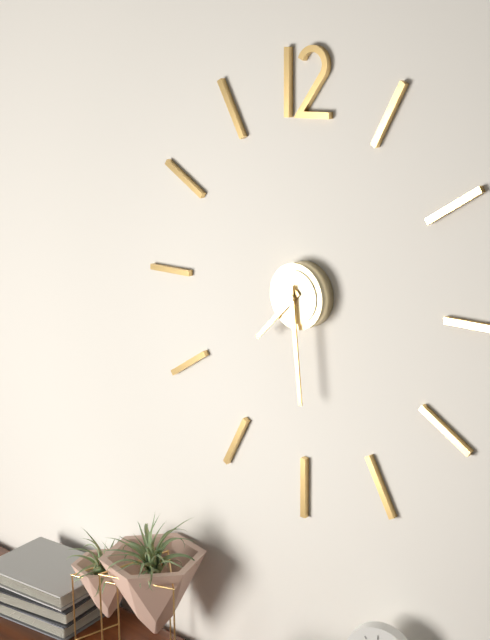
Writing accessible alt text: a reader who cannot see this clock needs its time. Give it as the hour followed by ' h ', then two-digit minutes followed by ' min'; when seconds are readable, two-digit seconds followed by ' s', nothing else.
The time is 7 h 29 min
